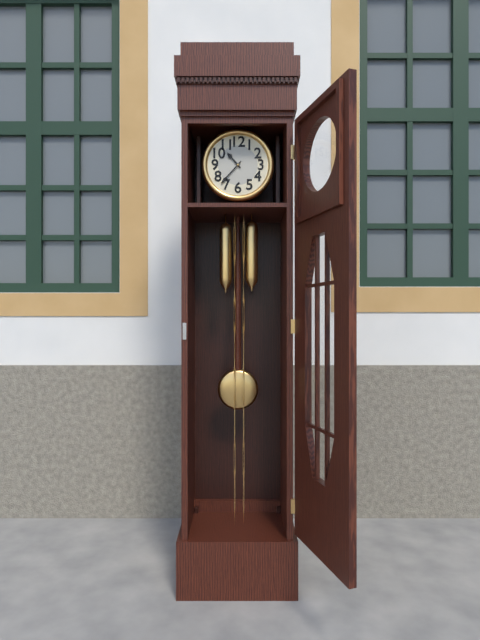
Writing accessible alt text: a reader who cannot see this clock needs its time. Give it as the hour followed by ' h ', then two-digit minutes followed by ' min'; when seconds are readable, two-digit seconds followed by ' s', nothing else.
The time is 10 h 37 min
